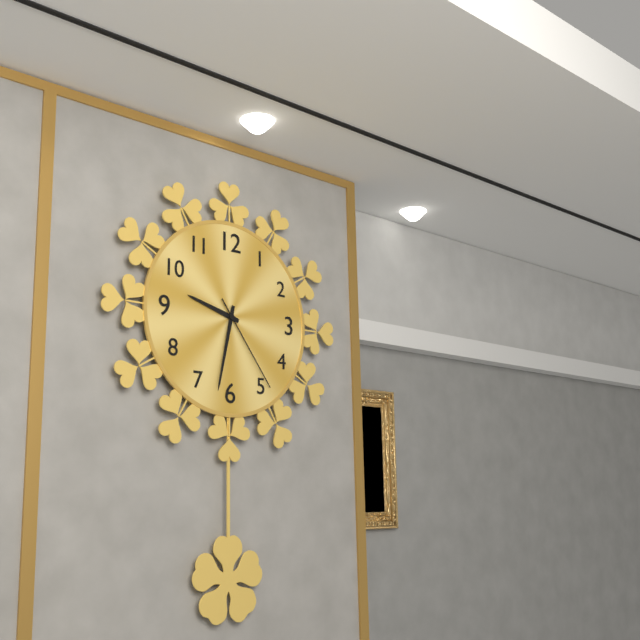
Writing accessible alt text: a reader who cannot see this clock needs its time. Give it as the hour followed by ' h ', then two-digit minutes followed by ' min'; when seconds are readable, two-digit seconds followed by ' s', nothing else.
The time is 9 h 32 min 24 s
